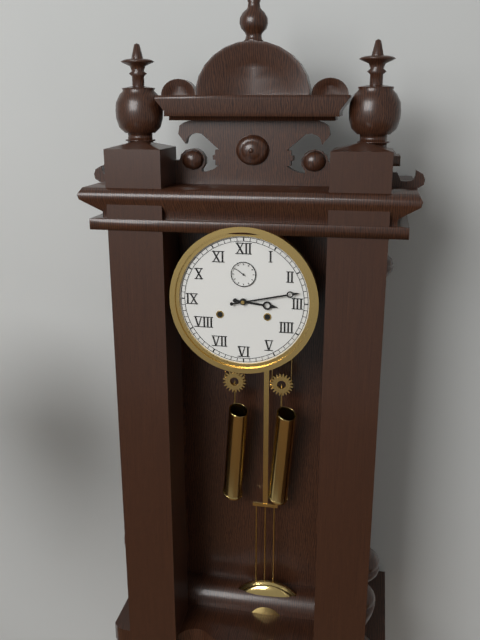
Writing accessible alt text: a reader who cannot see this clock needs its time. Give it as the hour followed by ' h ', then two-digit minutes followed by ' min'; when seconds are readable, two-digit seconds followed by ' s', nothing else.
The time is 3 h 13 min
